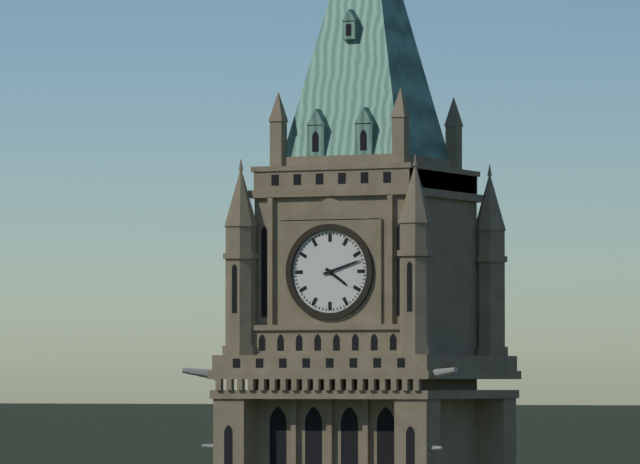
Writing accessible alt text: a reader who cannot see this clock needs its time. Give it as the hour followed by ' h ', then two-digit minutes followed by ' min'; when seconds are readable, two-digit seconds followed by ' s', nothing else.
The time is 4 h 12 min
